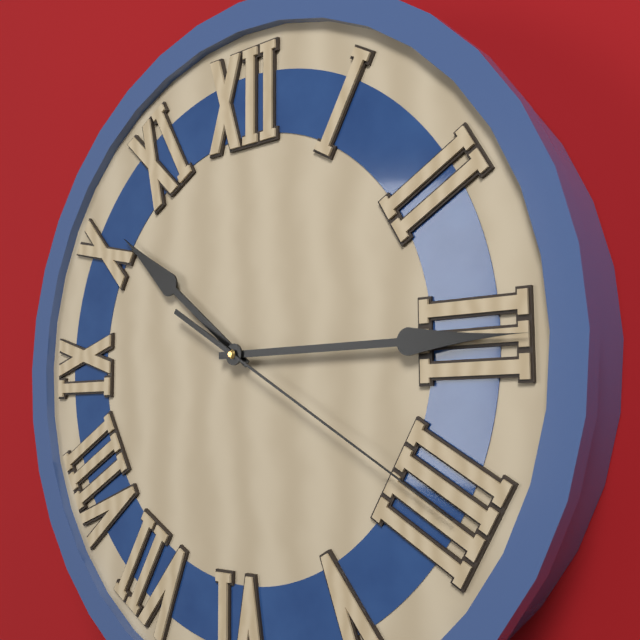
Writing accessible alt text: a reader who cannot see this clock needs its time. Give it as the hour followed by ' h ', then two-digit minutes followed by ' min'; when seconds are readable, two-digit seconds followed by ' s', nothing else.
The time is 10 h 15 min 20 s
